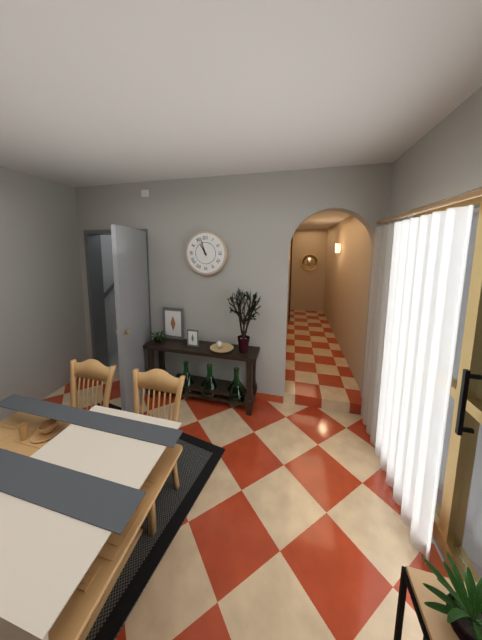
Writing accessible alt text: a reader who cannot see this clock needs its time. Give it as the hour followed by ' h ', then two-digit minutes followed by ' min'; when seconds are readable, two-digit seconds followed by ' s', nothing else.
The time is 10 h 57 min
